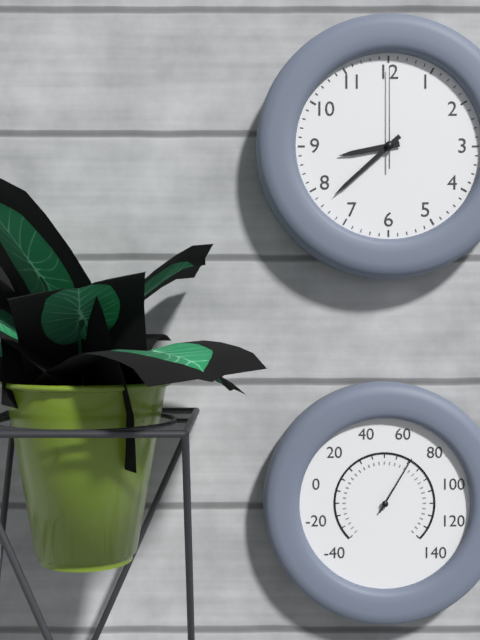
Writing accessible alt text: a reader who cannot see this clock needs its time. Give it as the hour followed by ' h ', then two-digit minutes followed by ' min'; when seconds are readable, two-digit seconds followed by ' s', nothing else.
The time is 8 h 38 min 00 s
